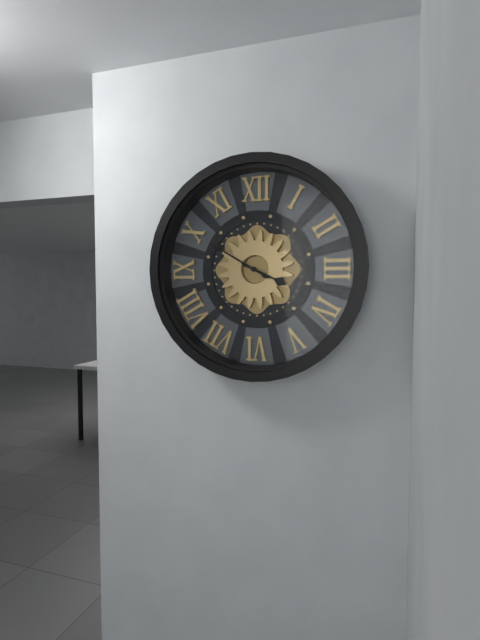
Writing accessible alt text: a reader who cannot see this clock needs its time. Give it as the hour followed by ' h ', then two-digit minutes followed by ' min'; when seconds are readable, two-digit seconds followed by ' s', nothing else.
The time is 3 h 50 min
